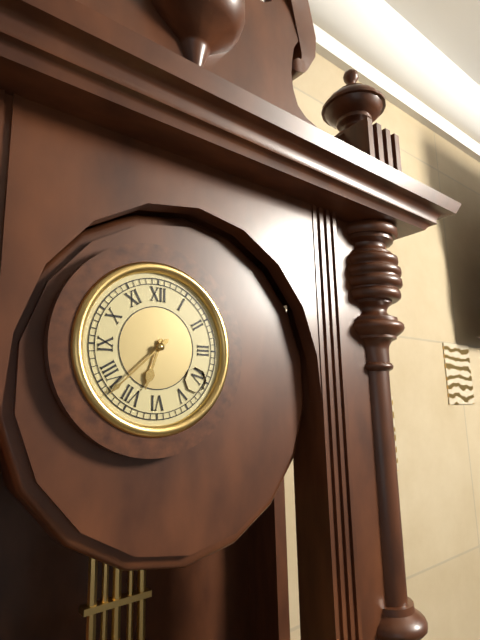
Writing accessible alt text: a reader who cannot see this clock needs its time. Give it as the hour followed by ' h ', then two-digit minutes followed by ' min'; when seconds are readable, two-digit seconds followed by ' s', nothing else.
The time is 6 h 38 min
